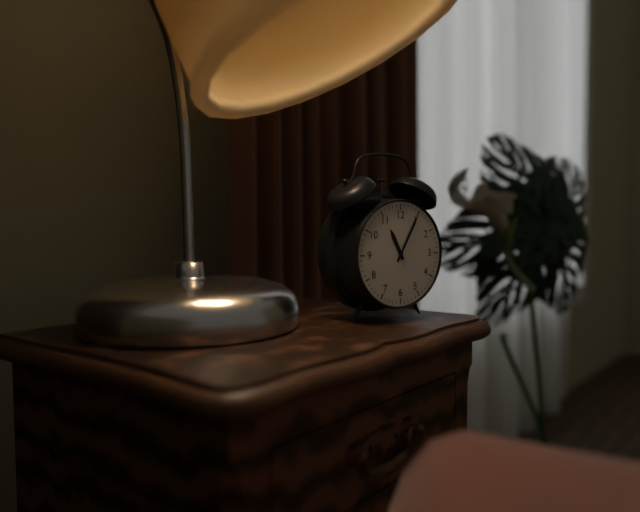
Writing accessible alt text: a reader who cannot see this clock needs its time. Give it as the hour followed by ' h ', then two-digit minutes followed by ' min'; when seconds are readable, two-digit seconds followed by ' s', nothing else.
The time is 11 h 05 min
